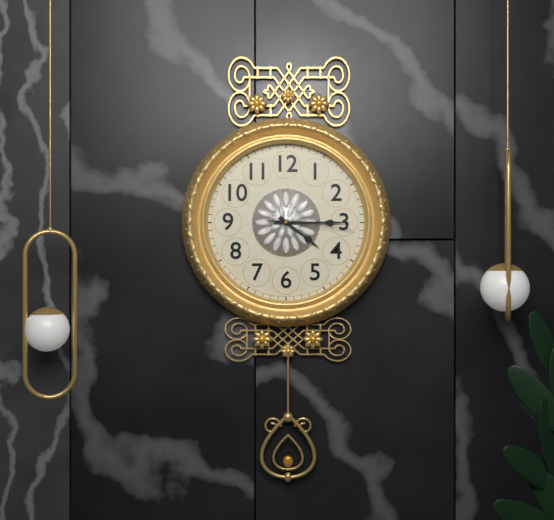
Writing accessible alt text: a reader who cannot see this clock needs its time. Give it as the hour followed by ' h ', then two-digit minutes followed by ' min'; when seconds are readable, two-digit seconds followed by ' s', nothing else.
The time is 4 h 15 min 16 s
